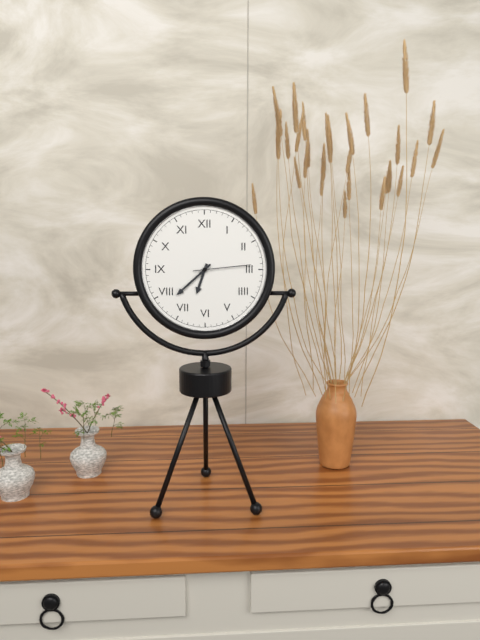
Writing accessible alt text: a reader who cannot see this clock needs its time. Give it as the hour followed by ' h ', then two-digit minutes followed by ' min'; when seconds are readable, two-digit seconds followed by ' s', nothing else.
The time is 6 h 38 min 14 s
